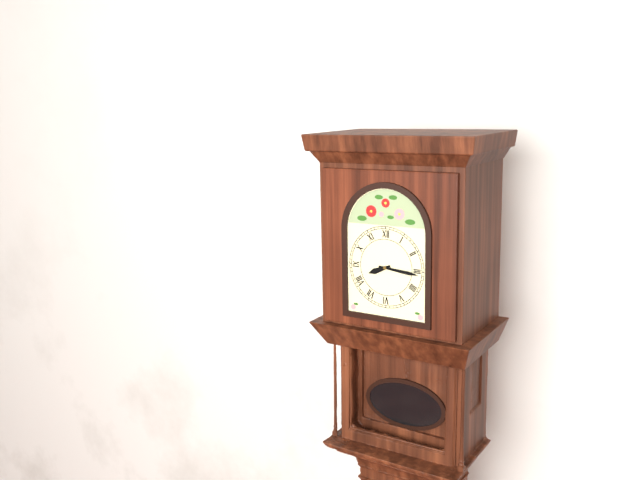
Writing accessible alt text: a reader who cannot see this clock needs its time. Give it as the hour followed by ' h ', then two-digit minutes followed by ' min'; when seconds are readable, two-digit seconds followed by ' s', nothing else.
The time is 8 h 16 min
